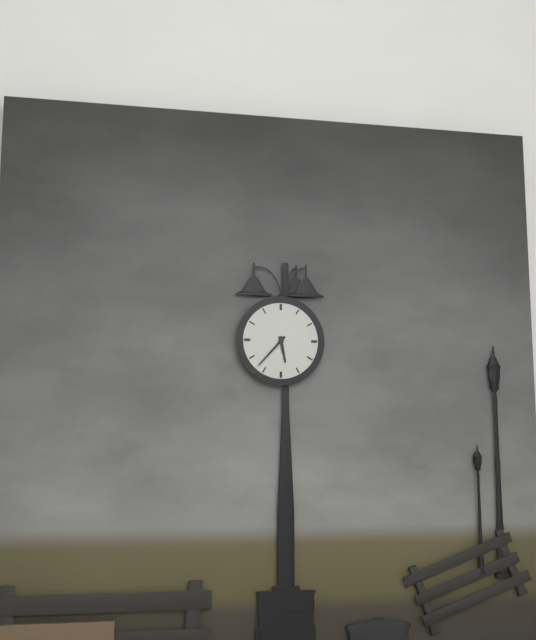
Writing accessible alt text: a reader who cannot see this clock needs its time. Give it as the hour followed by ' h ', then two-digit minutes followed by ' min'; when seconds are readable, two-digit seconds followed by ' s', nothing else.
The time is 5 h 37 min
